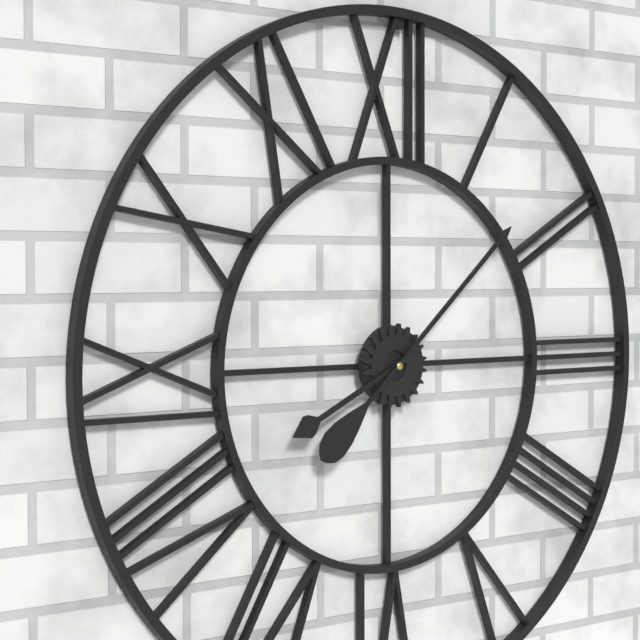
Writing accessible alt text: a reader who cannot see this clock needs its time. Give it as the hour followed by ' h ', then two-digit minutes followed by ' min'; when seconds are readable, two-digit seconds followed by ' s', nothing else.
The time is 8 h 08 min
